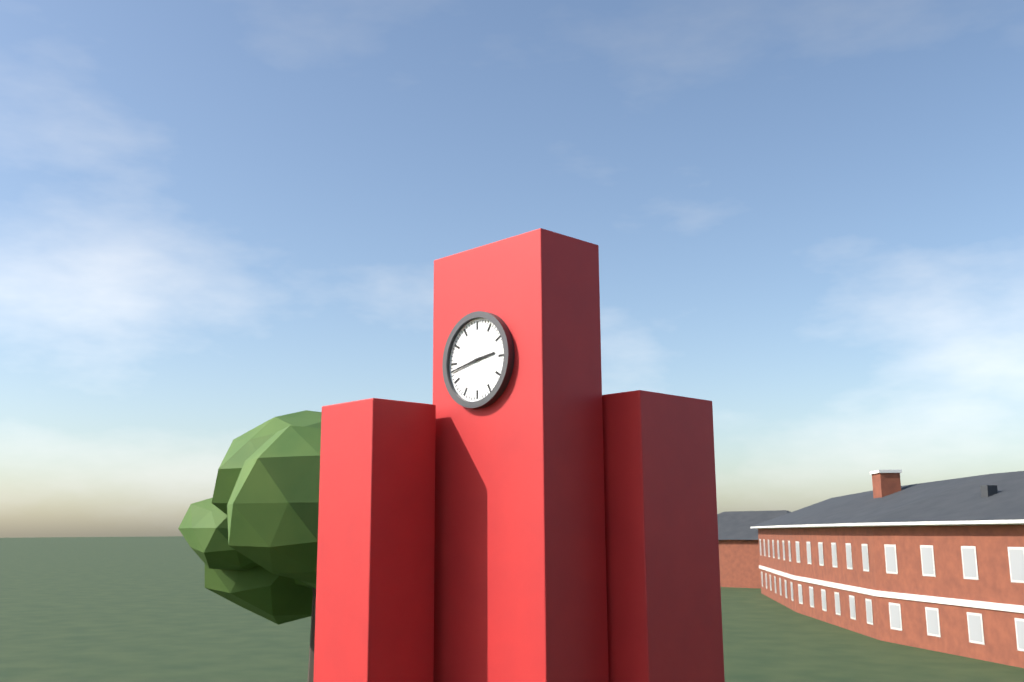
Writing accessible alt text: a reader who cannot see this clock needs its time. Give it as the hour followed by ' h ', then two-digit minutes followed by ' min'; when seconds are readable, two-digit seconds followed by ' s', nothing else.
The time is 2 h 43 min
